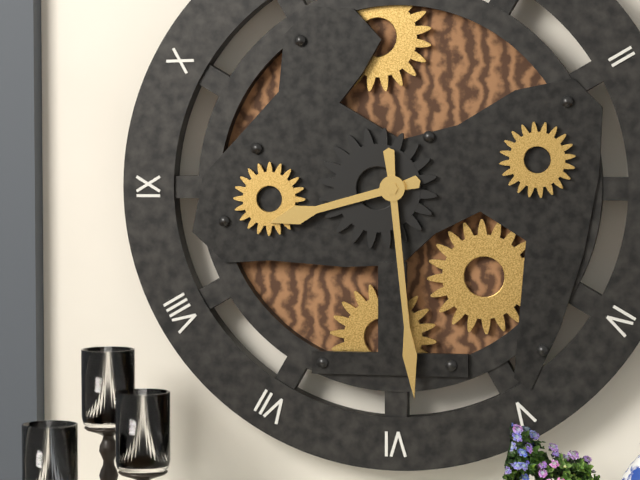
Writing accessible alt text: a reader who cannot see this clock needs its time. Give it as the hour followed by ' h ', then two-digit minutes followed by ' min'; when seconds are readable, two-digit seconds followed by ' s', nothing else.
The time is 8 h 29 min
